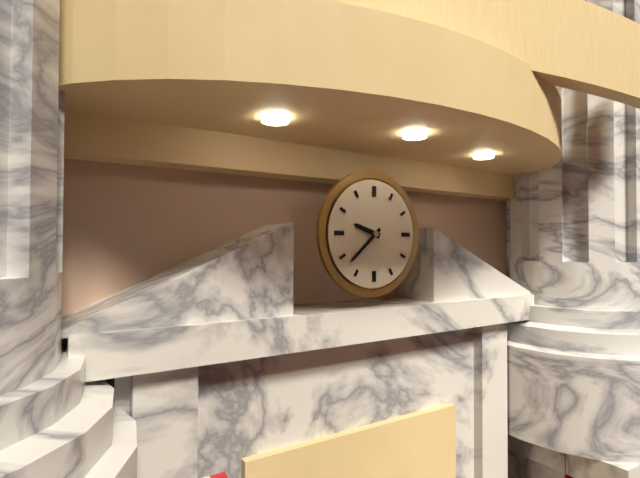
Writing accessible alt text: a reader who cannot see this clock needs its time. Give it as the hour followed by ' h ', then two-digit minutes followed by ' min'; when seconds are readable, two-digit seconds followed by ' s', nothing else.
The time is 9 h 38 min
